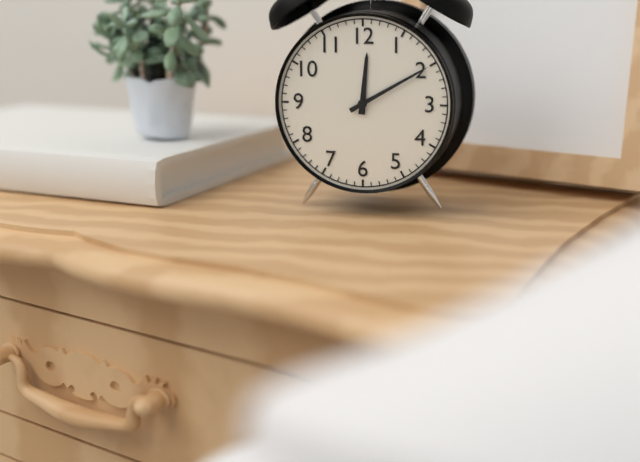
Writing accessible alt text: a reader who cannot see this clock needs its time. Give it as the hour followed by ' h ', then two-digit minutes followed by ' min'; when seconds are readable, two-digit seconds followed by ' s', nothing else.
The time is 12 h 10 min
